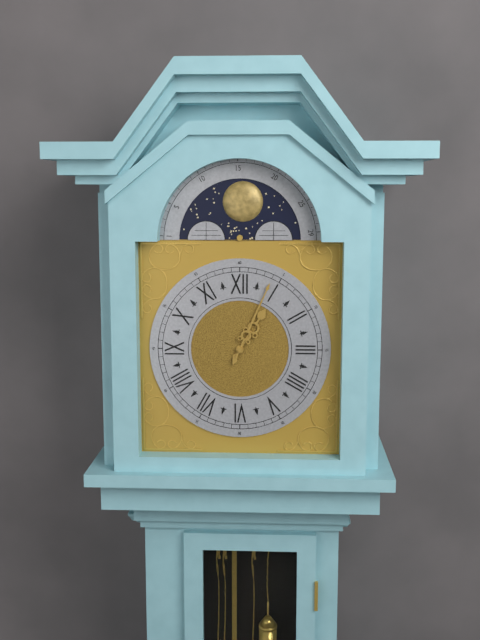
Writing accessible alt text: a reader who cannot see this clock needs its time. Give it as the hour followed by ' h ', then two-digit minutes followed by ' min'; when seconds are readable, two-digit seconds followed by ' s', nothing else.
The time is 1 h 04 min
